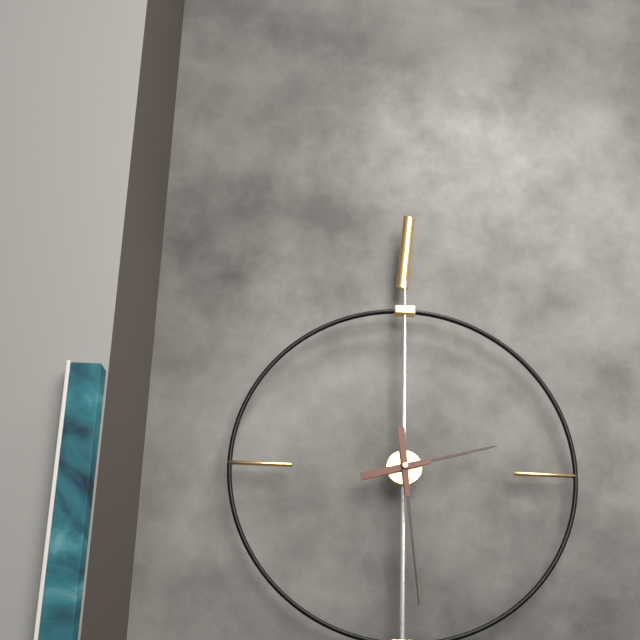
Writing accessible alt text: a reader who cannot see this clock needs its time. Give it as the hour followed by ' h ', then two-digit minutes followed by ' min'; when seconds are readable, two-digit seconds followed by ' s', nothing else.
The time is 2 h 29 min
